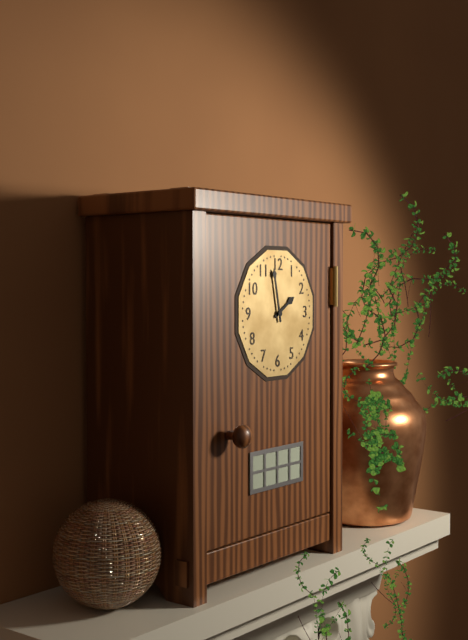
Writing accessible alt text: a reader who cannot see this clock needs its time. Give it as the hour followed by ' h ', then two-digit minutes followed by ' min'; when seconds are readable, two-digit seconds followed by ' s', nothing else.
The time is 1 h 58 min
